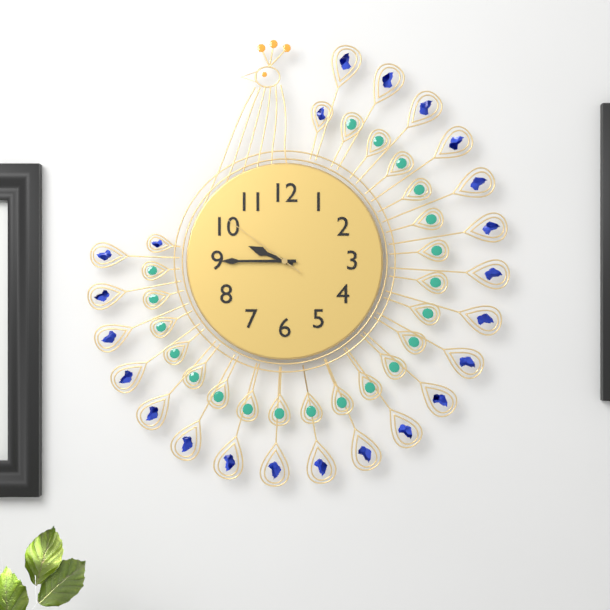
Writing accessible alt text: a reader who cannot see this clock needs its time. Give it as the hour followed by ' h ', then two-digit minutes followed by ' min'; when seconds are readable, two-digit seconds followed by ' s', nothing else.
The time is 9 h 45 min 51 s
